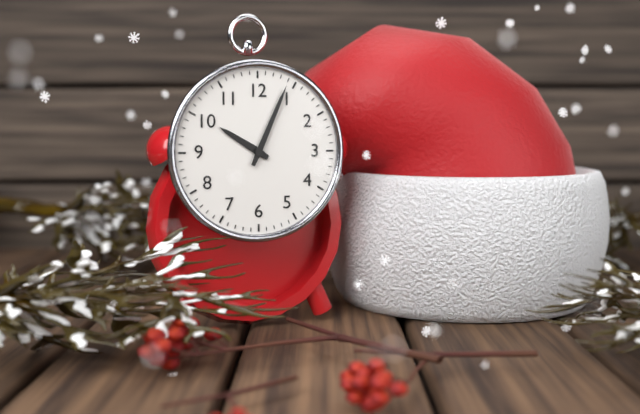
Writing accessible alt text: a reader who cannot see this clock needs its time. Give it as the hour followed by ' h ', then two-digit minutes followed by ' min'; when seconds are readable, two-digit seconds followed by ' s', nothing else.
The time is 10 h 04 min
